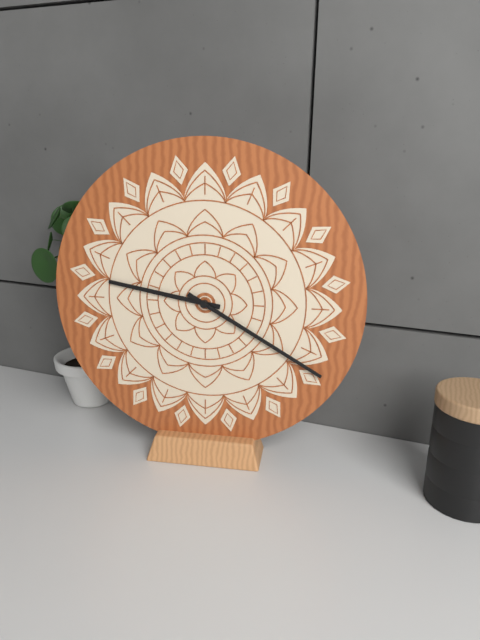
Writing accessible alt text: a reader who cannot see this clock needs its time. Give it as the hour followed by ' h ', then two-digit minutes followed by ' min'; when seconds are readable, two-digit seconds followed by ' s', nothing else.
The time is 9 h 20 min
